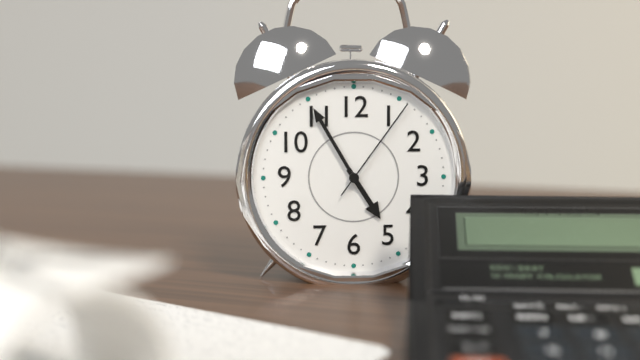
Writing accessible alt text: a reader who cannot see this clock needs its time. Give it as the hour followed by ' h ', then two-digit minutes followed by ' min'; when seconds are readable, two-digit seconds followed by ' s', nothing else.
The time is 4 h 55 min 06 s
